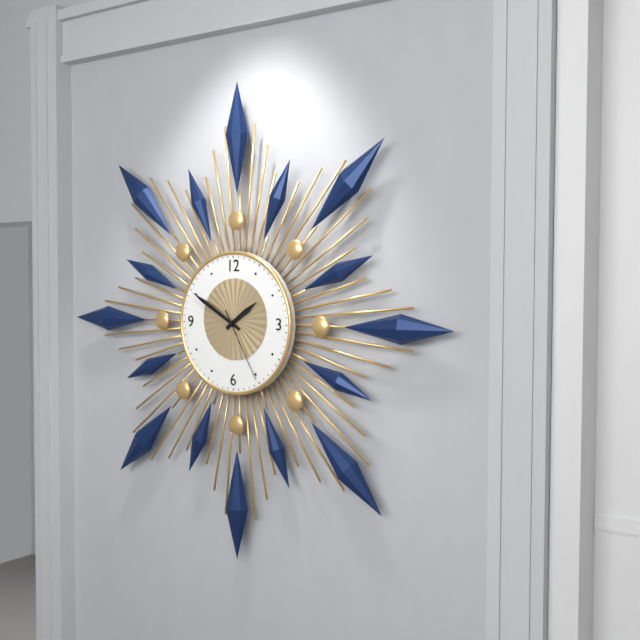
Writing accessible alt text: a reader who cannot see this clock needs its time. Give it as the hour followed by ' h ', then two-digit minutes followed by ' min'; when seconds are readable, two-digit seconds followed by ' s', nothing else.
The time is 1 h 50 min 25 s
